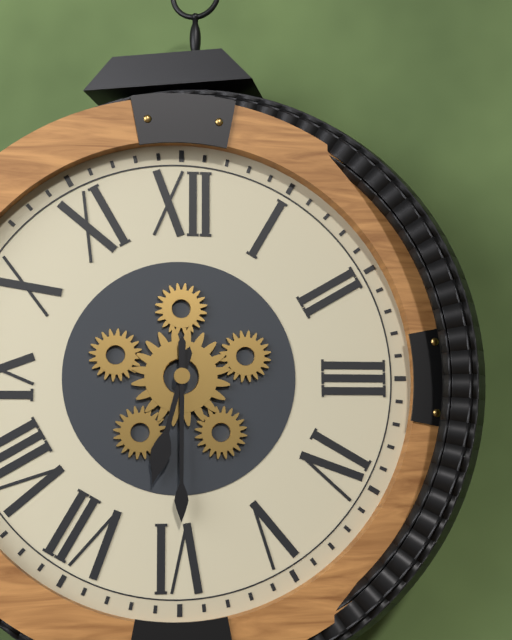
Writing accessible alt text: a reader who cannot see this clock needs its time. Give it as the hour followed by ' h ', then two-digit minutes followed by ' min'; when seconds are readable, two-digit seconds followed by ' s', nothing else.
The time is 6 h 30 min
